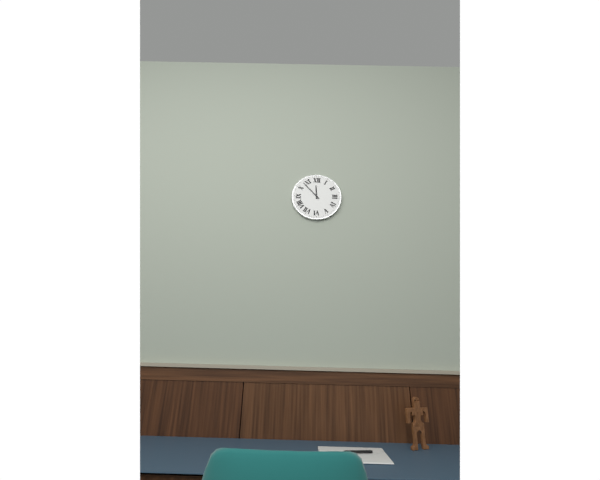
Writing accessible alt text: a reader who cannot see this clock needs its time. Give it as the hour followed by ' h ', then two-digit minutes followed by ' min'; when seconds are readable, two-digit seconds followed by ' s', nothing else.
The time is 11 h 53 min
